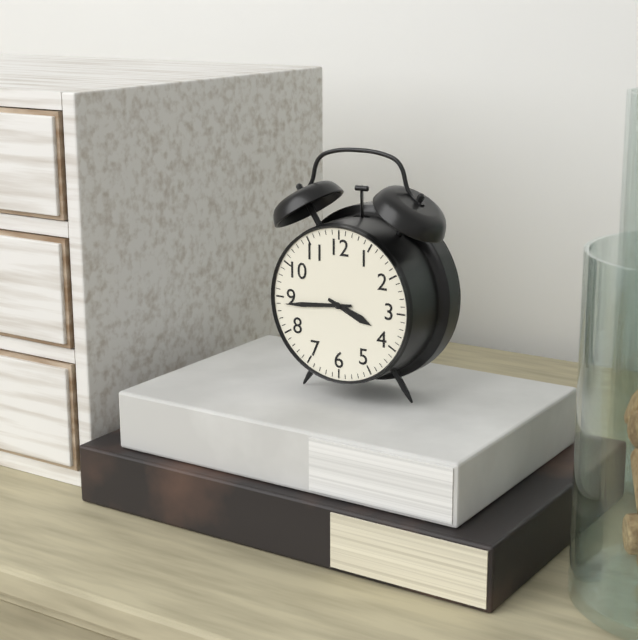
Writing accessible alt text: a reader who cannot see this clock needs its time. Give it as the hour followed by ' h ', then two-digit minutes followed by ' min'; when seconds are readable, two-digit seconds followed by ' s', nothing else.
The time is 3 h 44 min
